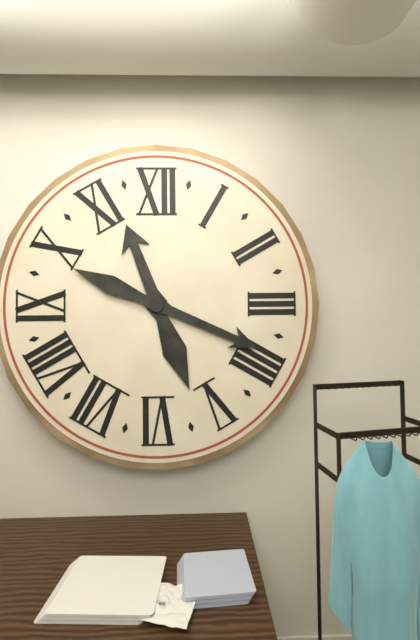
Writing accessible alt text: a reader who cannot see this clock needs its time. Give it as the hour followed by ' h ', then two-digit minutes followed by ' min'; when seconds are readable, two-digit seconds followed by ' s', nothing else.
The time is 11 h 19 min
